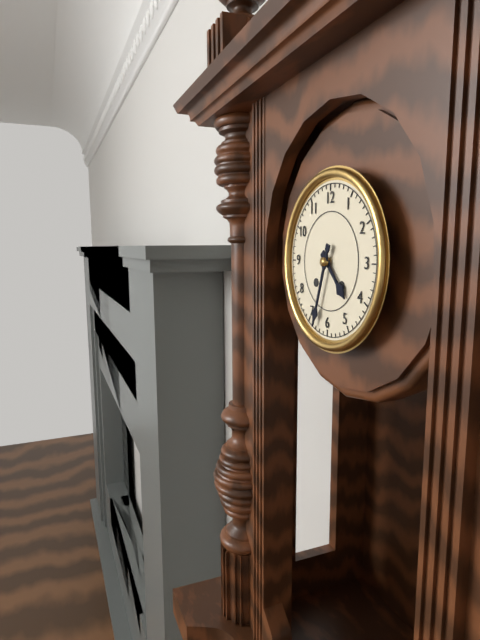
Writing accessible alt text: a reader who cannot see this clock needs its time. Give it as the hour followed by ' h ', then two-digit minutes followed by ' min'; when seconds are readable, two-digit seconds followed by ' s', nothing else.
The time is 4 h 33 min
